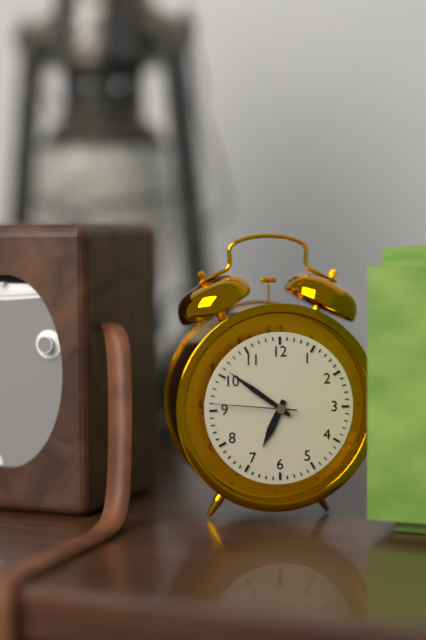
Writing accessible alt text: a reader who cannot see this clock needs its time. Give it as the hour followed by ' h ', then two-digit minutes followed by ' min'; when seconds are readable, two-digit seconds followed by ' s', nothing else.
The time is 6 h 51 min 46 s
